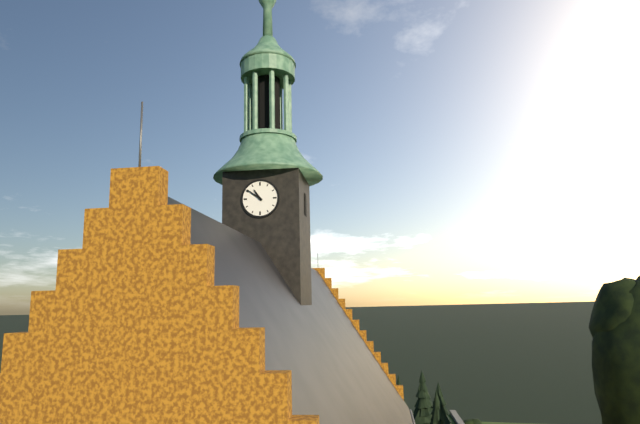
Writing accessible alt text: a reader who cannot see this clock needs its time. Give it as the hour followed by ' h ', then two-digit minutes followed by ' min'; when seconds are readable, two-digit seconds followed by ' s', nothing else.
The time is 10 h 51 min
